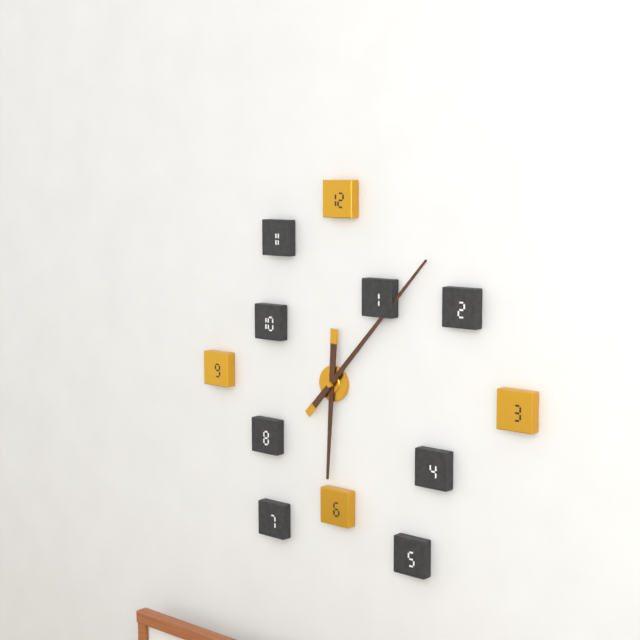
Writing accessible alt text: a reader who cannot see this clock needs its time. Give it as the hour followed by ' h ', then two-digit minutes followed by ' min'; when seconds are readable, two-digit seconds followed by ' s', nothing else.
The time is 6 h 07 min
